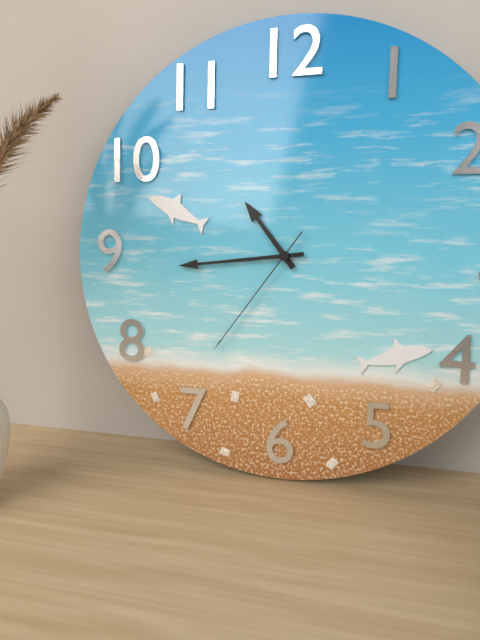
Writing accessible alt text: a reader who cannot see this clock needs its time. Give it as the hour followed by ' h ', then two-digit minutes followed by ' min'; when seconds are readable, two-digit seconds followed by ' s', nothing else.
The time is 10 h 44 min 36 s
